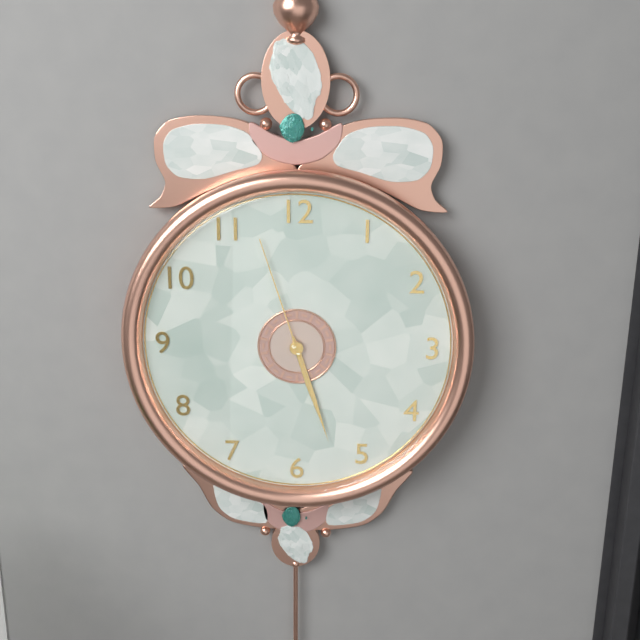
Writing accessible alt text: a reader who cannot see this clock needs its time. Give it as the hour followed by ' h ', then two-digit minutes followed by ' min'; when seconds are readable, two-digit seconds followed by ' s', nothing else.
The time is 5 h 27 min 57 s
